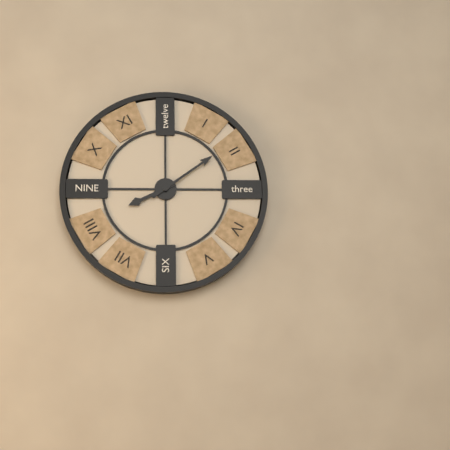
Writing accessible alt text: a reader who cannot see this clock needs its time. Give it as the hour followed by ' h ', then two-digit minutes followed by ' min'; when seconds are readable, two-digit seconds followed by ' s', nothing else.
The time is 8 h 09 min
